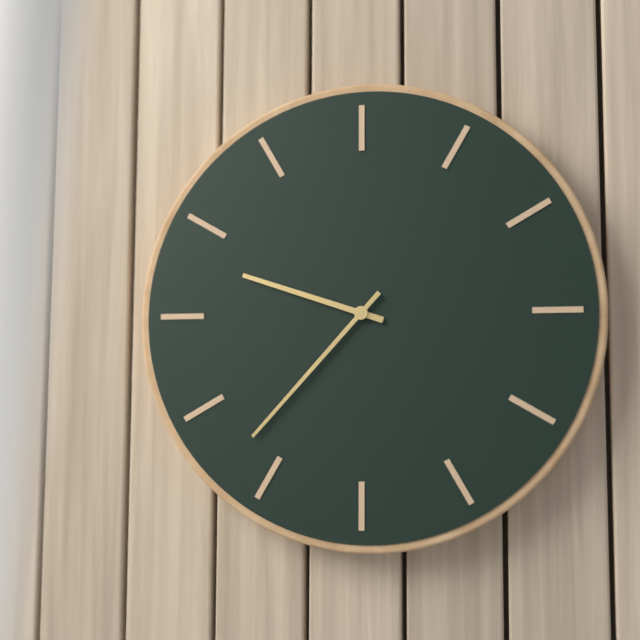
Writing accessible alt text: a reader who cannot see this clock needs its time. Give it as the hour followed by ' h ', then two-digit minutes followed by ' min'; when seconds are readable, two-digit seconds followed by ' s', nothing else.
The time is 9 h 37 min
